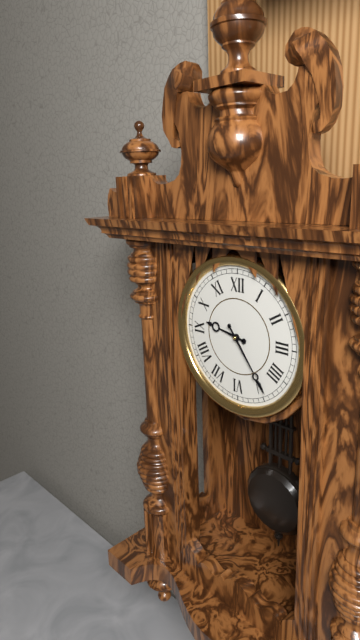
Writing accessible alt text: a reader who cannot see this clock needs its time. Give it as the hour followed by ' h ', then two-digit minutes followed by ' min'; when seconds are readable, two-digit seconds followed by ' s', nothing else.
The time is 9 h 24 min
